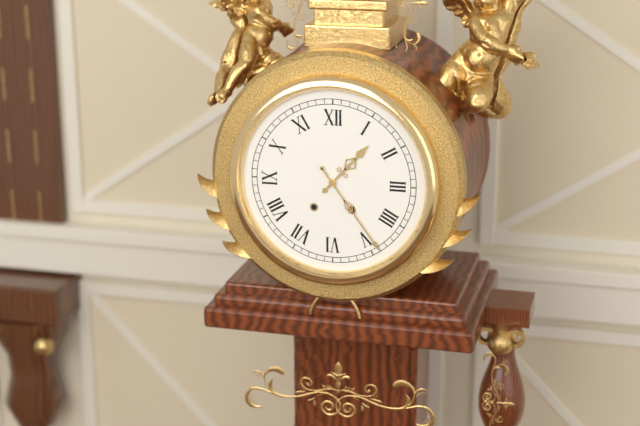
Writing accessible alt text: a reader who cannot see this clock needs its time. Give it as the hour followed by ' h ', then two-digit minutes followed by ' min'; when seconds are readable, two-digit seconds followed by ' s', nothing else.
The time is 1 h 24 min
